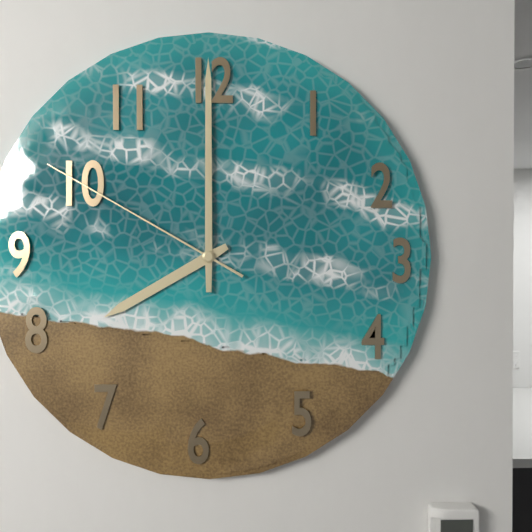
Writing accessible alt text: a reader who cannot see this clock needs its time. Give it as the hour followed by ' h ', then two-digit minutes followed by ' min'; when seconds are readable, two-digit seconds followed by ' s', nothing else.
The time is 8 h 00 min 50 s
